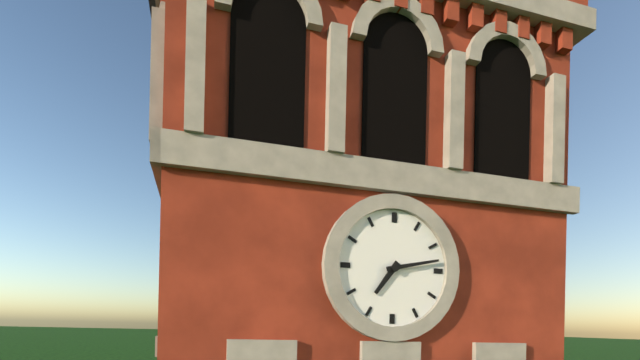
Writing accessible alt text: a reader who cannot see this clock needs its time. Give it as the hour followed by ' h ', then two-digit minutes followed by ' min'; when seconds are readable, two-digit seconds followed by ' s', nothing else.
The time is 7 h 13 min
